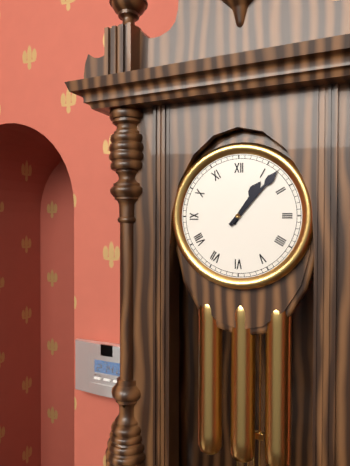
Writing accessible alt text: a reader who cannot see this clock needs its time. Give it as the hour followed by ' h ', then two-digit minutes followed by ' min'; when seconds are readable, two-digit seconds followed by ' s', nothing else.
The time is 1 h 07 min
